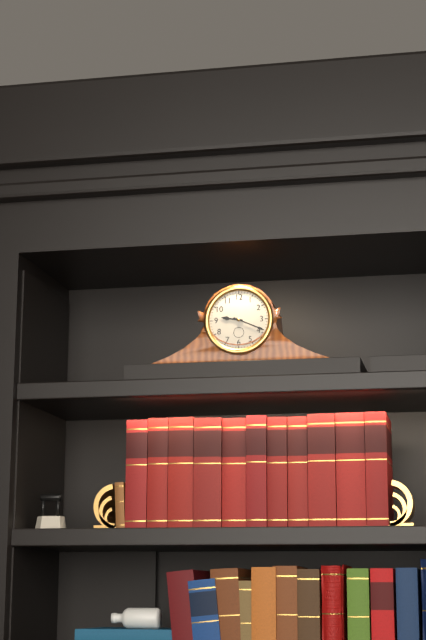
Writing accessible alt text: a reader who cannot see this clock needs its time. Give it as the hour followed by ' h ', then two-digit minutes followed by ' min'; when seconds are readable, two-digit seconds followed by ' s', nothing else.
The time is 9 h 19 min
